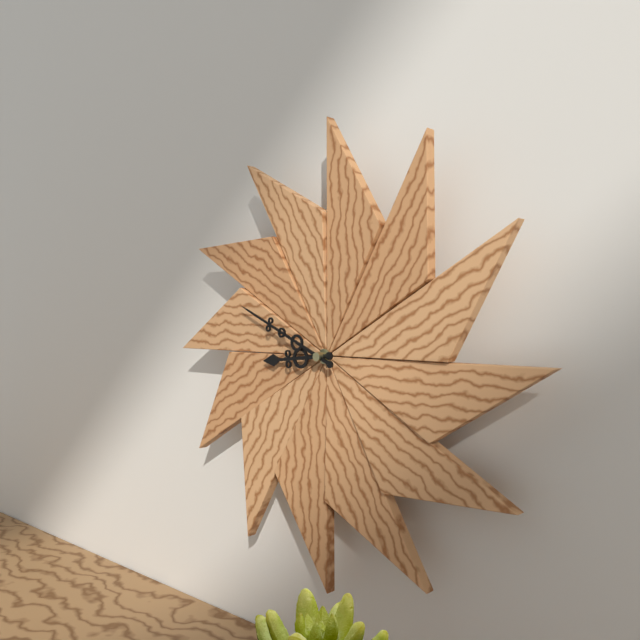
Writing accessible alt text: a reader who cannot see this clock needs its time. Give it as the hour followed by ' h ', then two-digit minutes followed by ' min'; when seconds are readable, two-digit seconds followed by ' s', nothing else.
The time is 8 h 49 min
